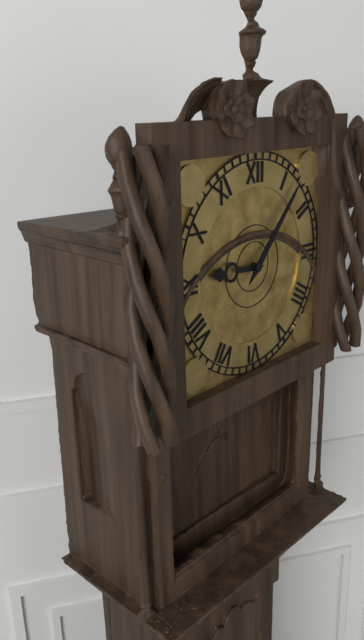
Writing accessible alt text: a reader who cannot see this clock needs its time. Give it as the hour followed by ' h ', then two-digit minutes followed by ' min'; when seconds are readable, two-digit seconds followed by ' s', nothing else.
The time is 9 h 07 min
